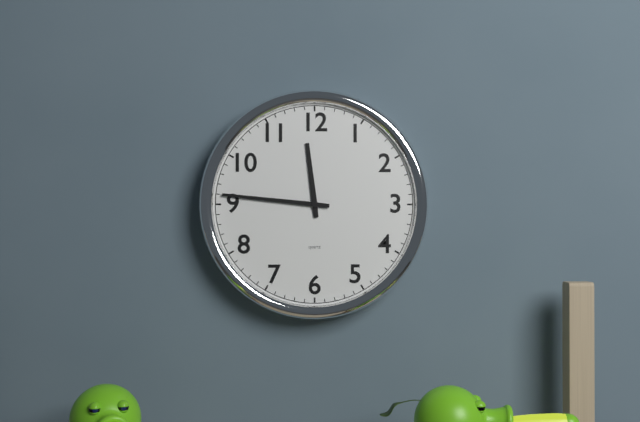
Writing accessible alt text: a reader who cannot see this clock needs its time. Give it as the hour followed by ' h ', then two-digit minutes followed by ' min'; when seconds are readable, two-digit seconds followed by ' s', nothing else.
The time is 11 h 46 min
